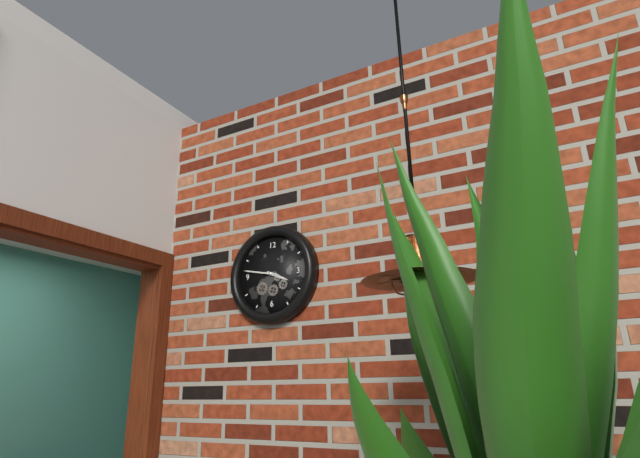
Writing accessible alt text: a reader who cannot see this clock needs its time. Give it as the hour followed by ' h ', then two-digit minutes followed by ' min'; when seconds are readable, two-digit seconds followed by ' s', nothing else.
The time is 3 h 47 min
